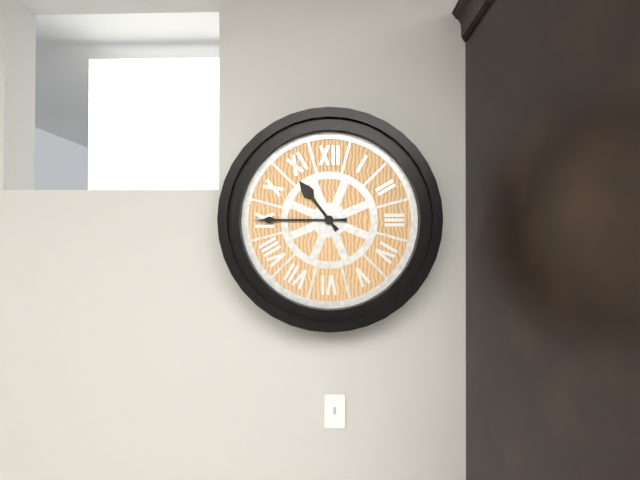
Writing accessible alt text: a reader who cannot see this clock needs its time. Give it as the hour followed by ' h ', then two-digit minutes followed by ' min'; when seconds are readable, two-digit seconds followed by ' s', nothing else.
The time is 10 h 45 min
